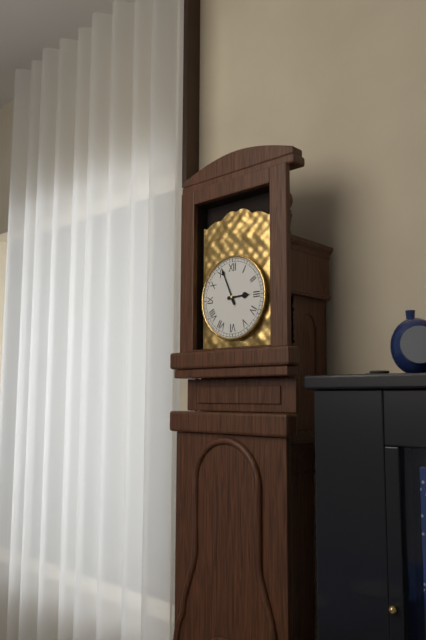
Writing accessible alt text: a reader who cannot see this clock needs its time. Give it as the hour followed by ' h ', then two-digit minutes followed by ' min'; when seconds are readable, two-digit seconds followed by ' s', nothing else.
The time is 2 h 56 min
